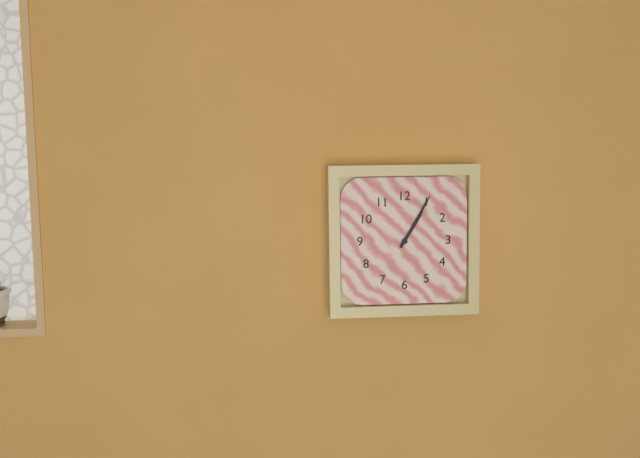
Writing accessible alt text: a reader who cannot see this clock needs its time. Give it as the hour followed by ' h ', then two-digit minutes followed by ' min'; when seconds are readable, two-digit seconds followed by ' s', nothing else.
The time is 1 h 05 min
